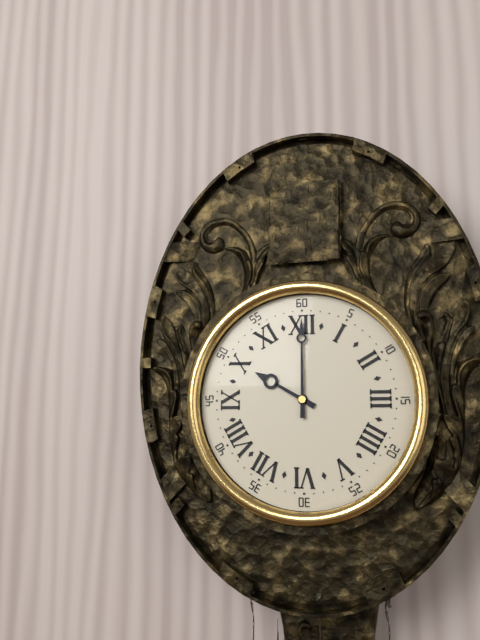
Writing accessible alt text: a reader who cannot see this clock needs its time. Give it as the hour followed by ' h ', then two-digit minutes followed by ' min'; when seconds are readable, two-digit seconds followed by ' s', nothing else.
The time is 10 h 00 min
